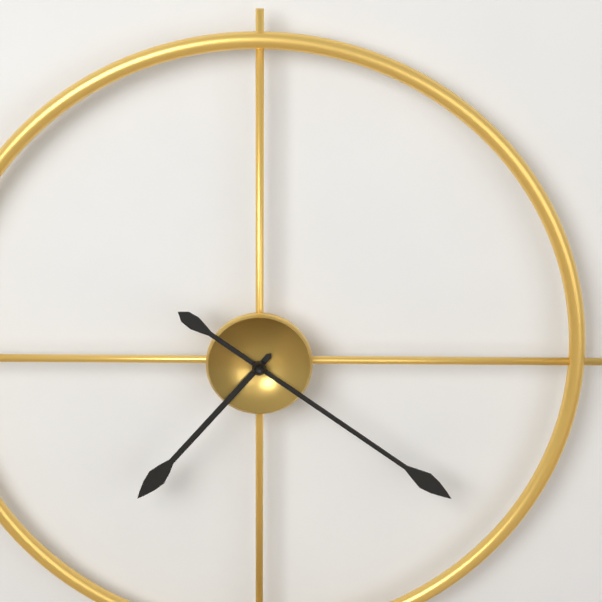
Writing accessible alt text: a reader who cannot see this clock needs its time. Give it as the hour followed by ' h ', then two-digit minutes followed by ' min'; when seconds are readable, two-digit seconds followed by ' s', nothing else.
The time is 7 h 21 min
